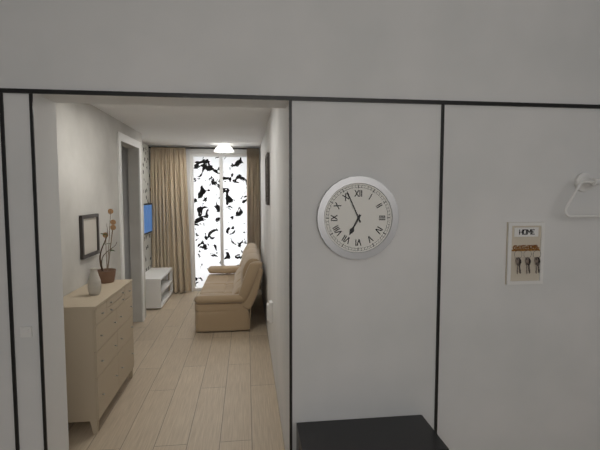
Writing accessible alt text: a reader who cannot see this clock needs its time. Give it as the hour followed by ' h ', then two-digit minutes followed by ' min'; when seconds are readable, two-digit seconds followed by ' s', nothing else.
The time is 6 h 56 min
